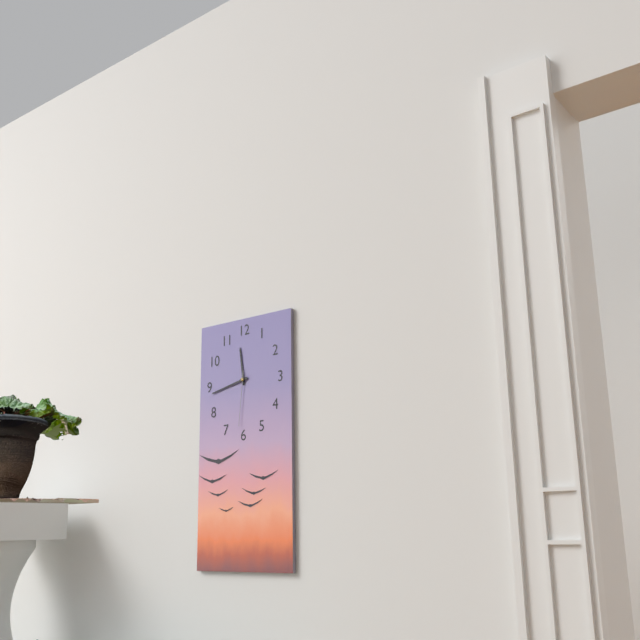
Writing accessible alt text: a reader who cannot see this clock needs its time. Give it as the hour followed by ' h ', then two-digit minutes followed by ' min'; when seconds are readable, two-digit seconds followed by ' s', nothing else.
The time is 11 h 43 min 31 s
